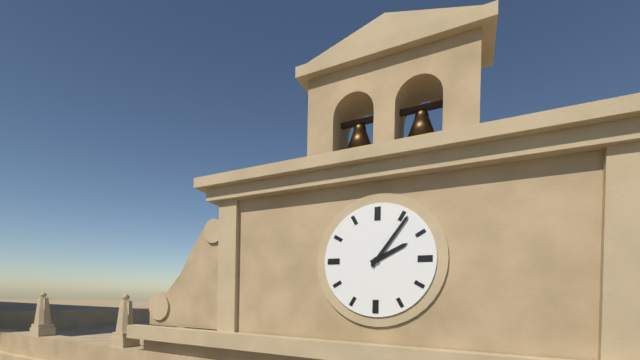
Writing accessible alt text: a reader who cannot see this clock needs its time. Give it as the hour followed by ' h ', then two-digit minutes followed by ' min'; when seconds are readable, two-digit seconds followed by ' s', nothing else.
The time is 2 h 06 min
